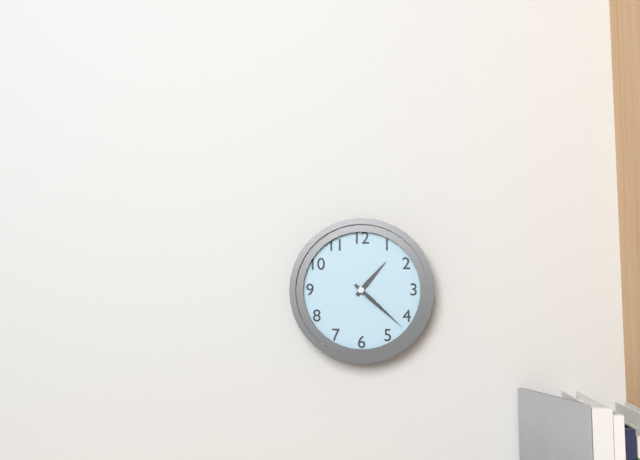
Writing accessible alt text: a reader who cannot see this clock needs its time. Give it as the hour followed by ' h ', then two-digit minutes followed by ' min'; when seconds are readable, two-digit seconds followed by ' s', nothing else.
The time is 1 h 22 min
